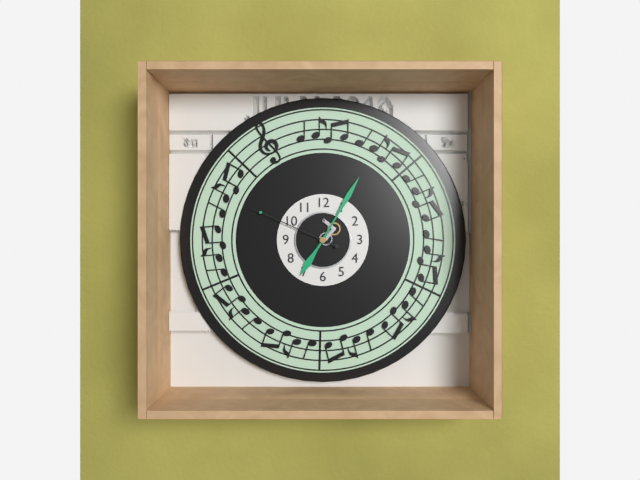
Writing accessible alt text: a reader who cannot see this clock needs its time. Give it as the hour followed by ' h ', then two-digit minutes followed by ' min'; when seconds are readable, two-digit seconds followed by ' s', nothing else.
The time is 7 h 05 min 49 s
